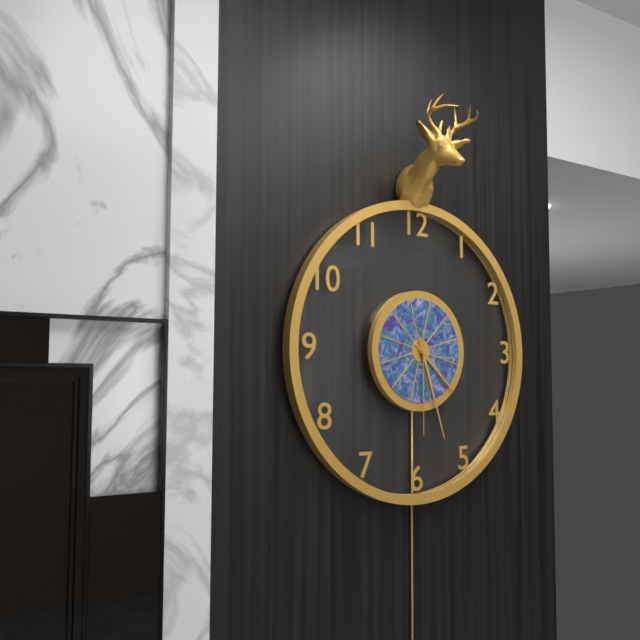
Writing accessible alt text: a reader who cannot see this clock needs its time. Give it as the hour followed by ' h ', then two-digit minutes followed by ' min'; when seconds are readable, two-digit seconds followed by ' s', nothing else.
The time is 4 h 27 min 30 s
